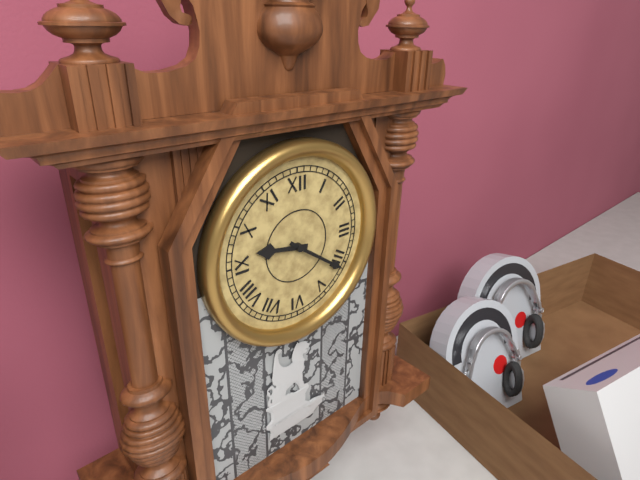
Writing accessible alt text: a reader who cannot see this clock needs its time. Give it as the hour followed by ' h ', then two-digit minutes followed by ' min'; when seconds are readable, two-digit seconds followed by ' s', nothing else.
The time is 9 h 21 min
